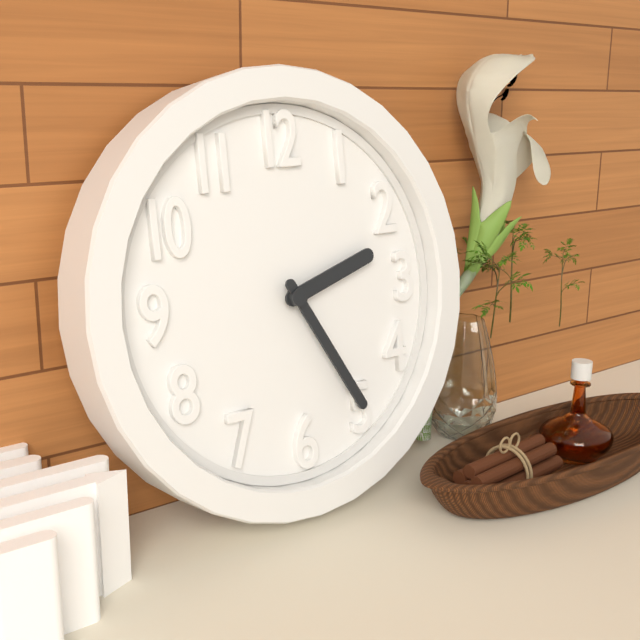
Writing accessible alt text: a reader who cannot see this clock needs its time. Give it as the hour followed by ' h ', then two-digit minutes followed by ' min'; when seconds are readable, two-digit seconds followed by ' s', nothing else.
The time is 2 h 25 min
